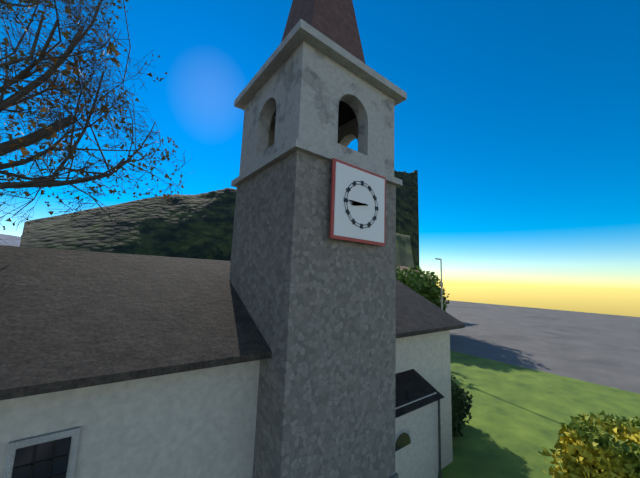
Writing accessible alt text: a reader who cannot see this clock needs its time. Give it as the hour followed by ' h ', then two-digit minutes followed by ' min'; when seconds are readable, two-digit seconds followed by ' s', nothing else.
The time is 8 h 45 min
